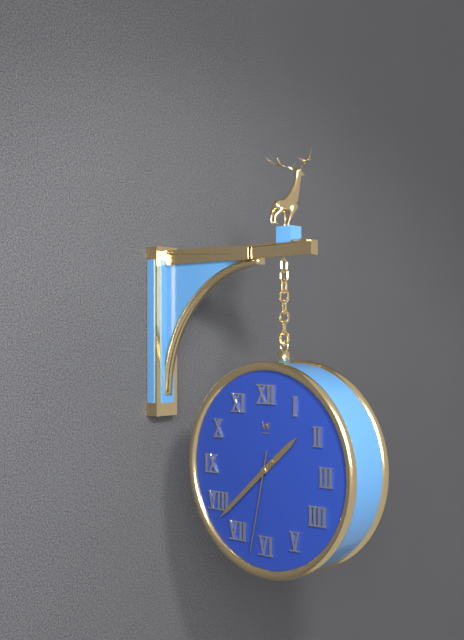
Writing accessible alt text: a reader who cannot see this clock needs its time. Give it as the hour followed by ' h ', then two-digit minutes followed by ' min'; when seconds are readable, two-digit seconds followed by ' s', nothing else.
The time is 1 h 38 min 32 s
